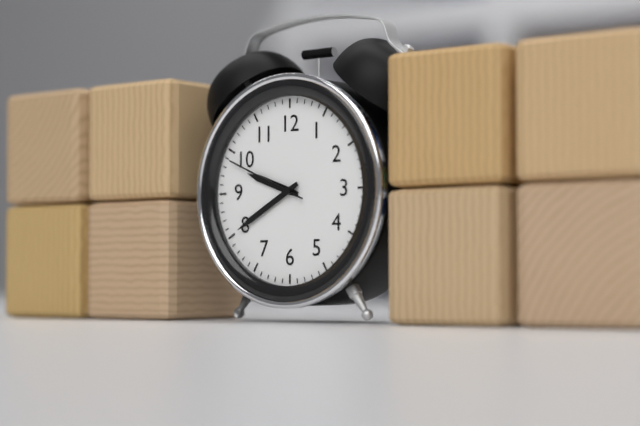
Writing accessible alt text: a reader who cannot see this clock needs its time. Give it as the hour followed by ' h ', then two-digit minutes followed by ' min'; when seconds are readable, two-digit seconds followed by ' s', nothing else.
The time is 9 h 40 min 49 s
